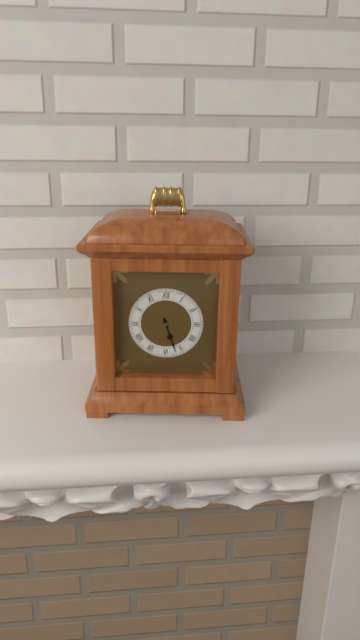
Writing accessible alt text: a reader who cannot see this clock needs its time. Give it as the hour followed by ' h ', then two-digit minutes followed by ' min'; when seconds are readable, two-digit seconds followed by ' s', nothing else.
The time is 5 h 27 min
